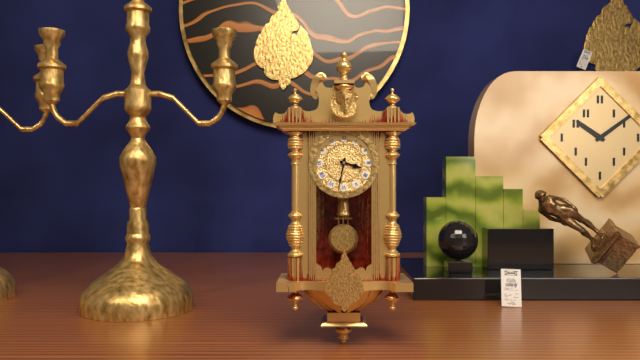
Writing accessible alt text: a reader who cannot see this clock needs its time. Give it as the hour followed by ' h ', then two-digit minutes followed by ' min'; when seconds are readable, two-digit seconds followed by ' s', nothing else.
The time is 3 h 32 min
